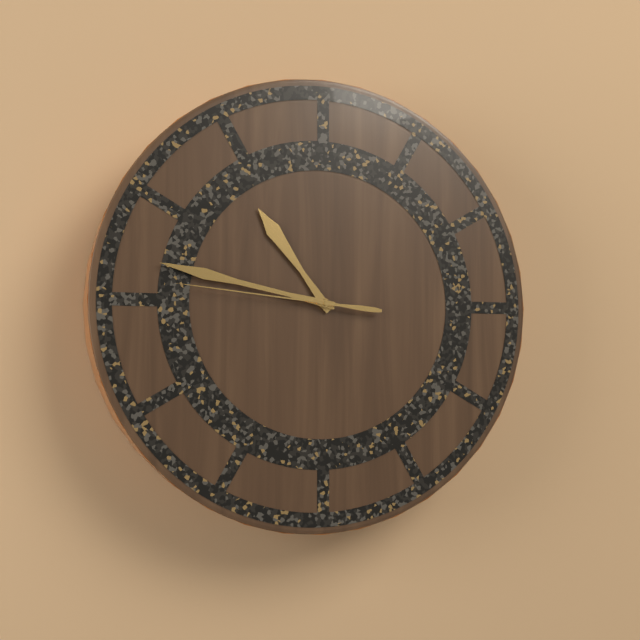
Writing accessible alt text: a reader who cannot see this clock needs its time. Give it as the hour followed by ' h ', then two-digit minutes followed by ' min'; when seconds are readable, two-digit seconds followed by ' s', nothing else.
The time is 10 h 47 min 46 s
